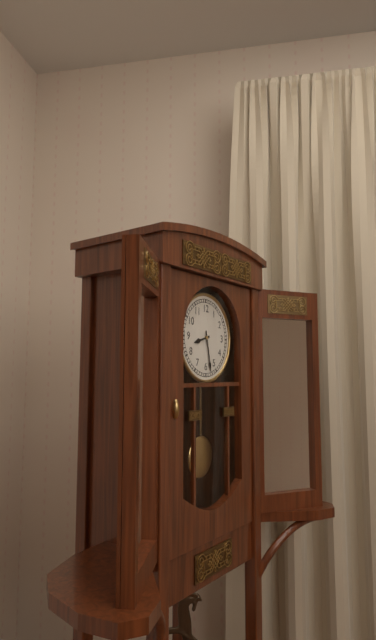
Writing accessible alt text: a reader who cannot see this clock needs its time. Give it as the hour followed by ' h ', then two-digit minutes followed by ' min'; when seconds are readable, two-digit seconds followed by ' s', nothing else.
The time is 8 h 28 min
